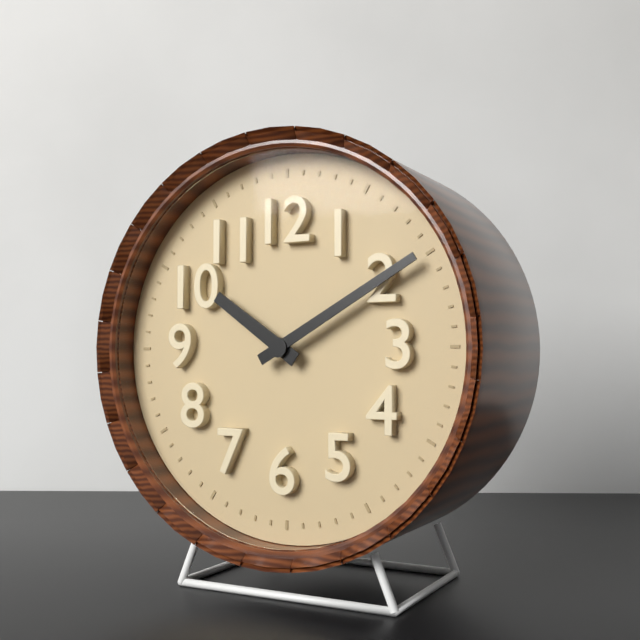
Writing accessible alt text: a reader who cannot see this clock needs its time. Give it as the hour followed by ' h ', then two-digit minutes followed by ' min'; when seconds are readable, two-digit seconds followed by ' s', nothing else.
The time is 10 h 10 min
